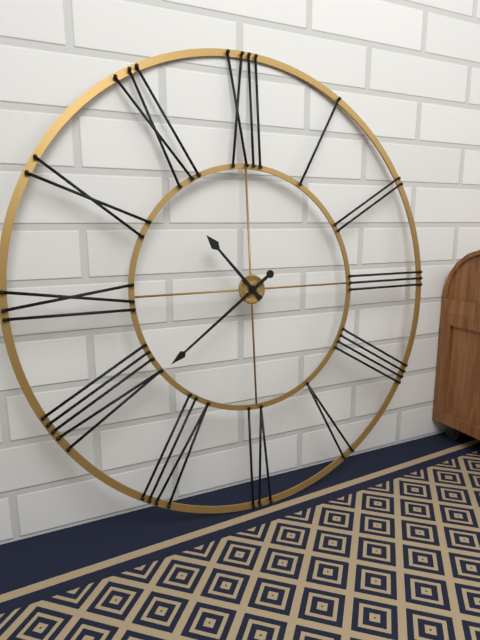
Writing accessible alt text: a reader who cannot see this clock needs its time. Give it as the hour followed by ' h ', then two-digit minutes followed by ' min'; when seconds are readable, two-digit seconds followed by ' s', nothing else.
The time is 10 h 39 min
